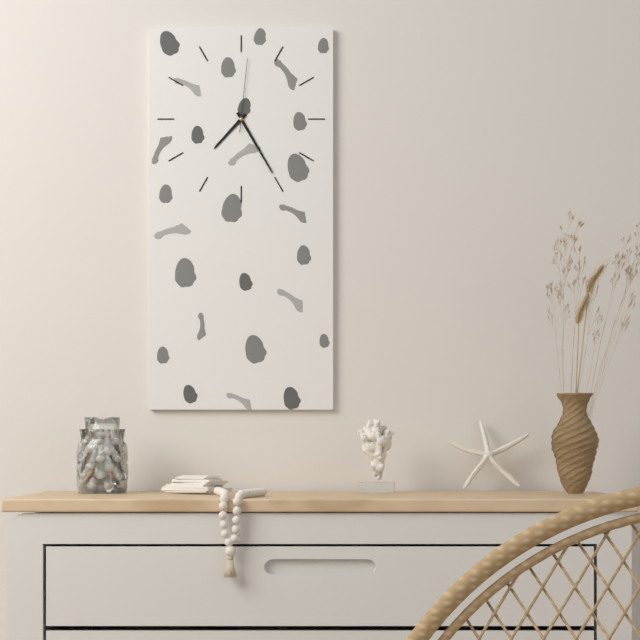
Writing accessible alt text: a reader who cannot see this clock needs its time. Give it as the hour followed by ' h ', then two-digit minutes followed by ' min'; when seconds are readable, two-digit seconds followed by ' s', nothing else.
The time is 7 h 25 min 01 s
